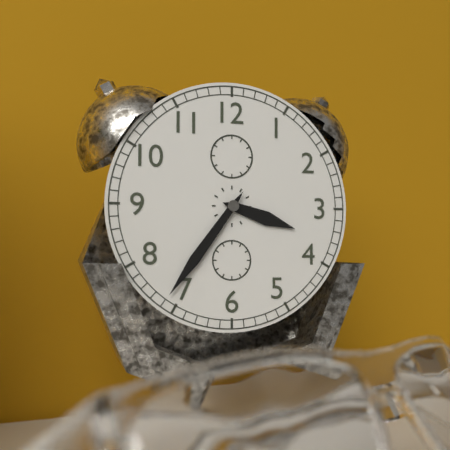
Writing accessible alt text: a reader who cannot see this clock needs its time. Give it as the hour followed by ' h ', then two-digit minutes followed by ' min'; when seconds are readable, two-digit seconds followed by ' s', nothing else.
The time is 3 h 36 min
